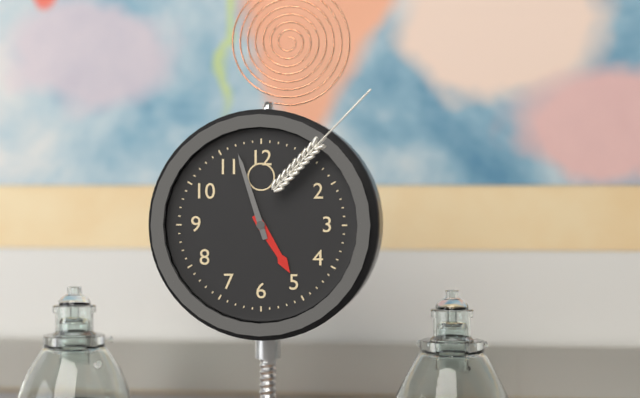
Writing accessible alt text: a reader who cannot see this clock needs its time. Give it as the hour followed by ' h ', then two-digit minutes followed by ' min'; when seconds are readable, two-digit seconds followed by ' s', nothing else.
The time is 4 h 57 min
